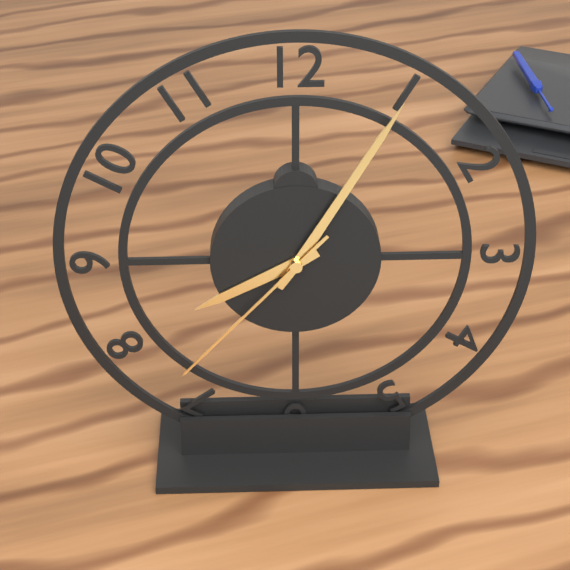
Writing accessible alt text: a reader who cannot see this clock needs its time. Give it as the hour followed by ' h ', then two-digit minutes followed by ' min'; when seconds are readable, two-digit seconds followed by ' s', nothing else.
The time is 8 h 05 min 37 s
